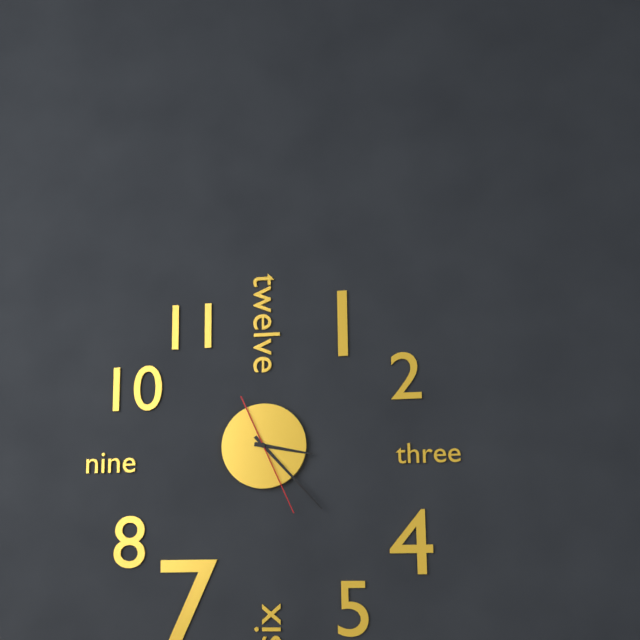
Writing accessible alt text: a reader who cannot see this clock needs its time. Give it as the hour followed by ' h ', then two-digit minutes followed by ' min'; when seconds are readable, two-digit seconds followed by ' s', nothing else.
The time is 3 h 23 min 26 s
